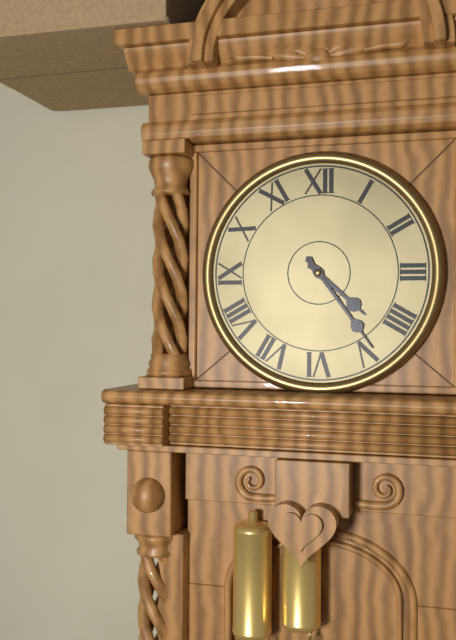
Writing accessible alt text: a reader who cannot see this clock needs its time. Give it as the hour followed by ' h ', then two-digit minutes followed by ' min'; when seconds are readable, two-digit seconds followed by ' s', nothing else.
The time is 4 h 24 min
